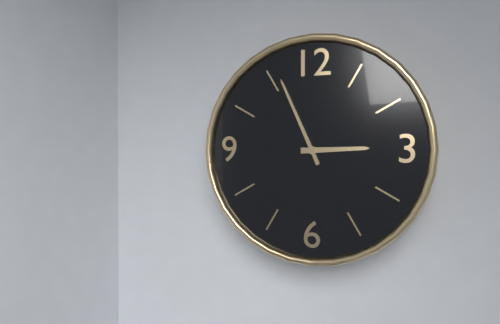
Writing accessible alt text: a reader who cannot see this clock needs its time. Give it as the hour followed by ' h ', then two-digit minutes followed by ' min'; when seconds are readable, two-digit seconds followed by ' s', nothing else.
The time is 2 h 56 min
